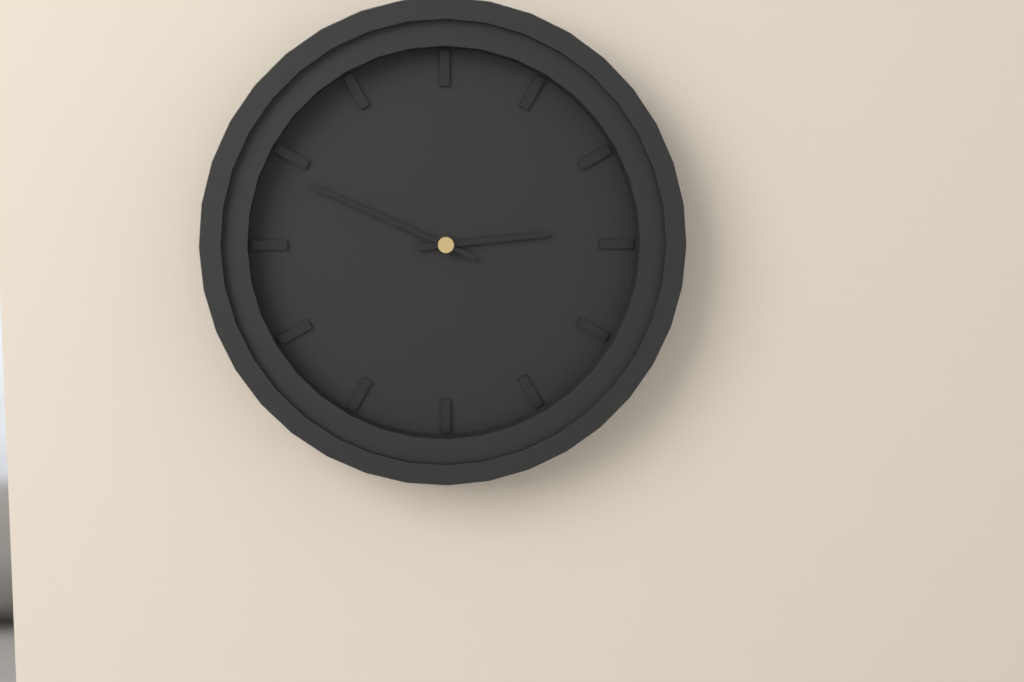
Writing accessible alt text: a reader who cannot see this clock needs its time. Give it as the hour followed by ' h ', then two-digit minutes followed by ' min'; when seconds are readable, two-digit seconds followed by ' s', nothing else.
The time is 2 h 49 min
